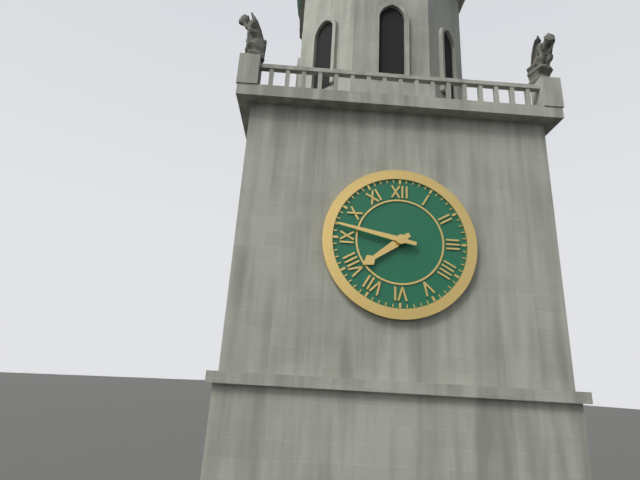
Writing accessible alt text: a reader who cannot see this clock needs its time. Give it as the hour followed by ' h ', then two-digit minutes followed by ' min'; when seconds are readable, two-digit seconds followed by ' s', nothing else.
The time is 7 h 47 min
